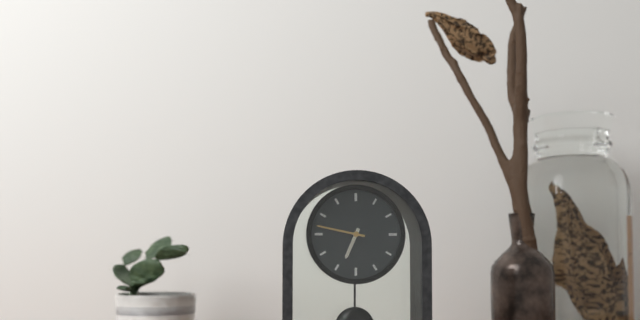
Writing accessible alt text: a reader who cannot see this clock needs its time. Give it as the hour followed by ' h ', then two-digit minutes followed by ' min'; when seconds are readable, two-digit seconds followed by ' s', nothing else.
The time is 6 h 47 min
